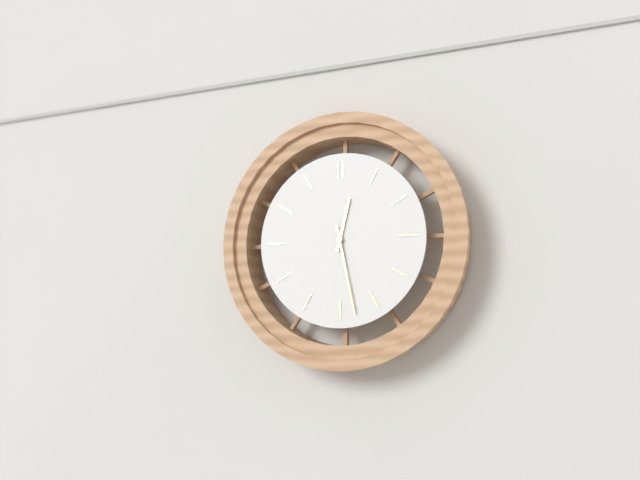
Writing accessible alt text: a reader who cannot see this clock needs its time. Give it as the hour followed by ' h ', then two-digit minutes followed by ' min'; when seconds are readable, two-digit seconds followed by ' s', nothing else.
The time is 12 h 28 min
